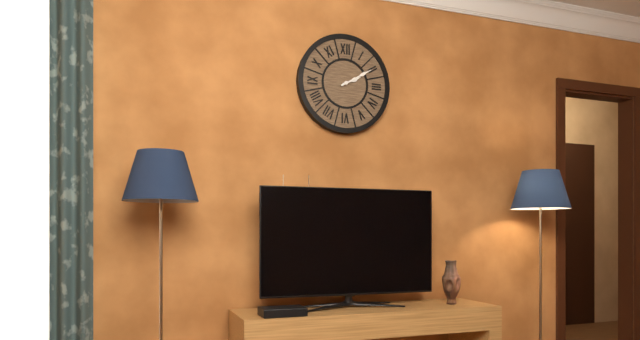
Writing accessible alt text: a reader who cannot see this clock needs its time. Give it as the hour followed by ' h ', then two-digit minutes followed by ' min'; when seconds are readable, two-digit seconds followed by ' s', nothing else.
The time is 2 h 10 min
